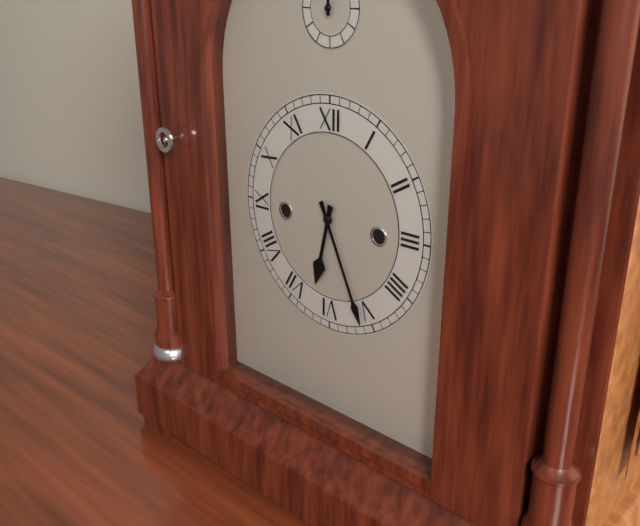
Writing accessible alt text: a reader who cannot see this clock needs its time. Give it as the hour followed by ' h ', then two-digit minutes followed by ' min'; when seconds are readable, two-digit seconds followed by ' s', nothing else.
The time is 6 h 26 min
